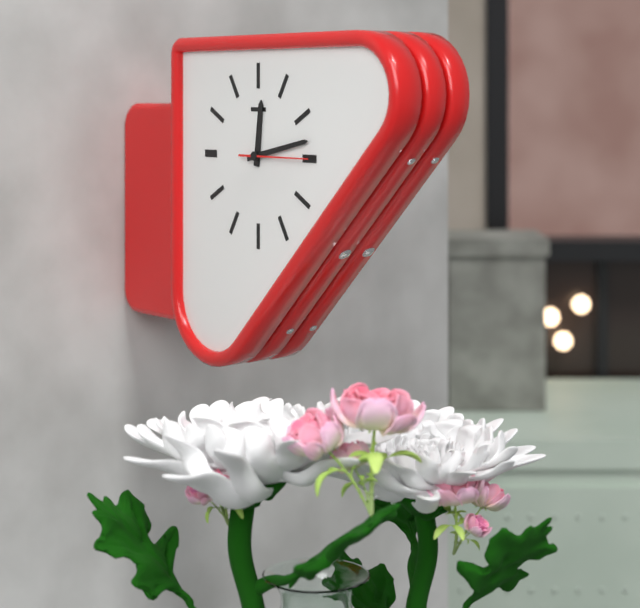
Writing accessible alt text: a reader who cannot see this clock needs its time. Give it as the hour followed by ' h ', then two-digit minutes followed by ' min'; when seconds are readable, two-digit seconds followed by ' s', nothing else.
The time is 12 h 13 min 15 s
